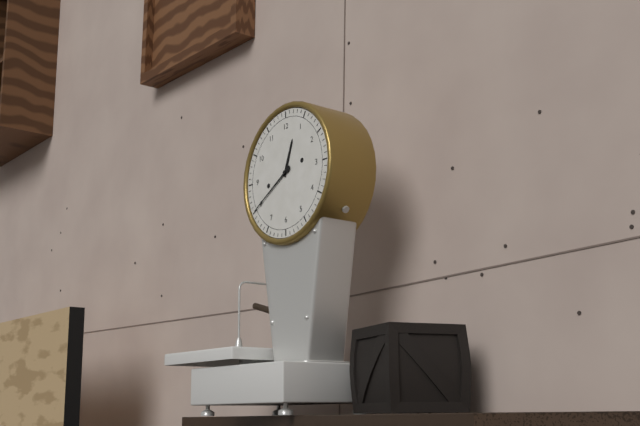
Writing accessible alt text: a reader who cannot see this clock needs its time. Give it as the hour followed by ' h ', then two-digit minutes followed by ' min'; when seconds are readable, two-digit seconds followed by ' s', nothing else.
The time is 12 h 40 min
